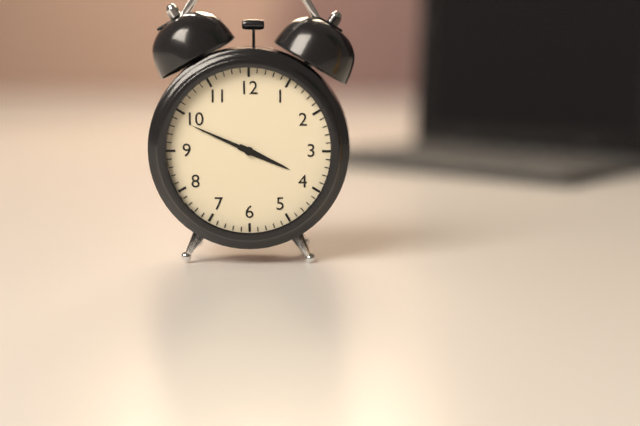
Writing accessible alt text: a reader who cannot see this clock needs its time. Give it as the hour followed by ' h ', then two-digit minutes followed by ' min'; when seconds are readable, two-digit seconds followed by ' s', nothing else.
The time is 3 h 49 min
